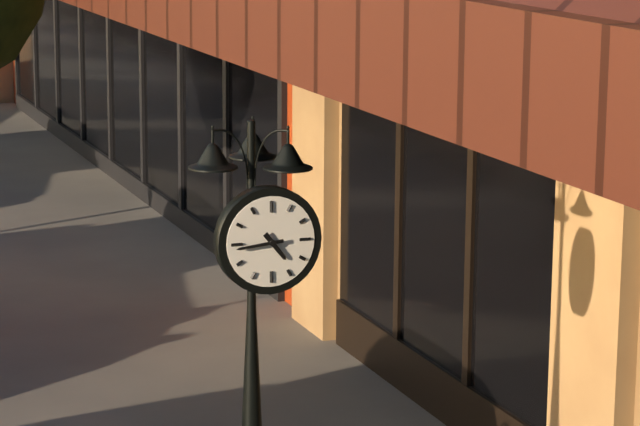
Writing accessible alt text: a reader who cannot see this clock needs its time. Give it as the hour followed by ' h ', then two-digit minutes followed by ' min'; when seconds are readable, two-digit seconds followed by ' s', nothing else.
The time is 4 h 44 min
